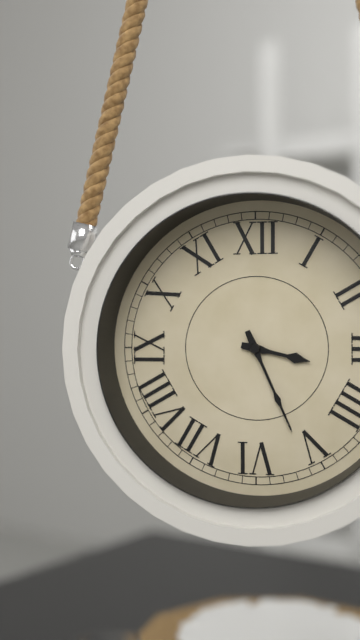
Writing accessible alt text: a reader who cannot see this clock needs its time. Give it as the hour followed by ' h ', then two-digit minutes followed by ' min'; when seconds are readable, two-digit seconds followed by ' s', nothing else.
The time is 3 h 26 min
